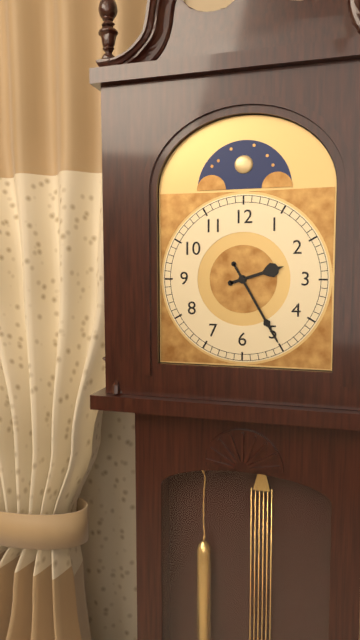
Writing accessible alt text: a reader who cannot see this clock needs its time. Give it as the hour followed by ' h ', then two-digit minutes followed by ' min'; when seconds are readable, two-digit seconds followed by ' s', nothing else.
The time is 2 h 25 min
